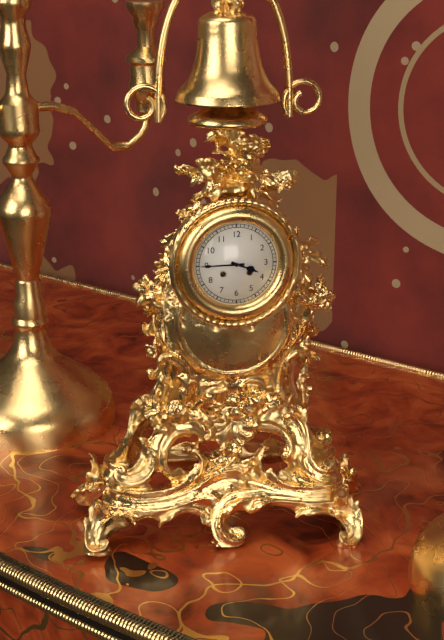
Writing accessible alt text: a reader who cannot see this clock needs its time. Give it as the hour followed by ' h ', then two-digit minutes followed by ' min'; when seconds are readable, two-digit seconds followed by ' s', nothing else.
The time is 3 h 45 min
